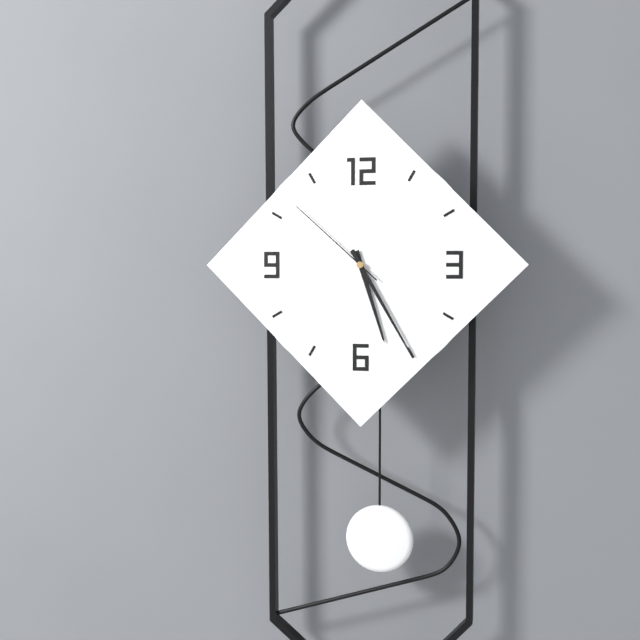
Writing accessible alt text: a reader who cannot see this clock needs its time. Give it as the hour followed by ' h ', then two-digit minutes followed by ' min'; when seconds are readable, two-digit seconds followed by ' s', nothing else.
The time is 5 h 25 min 52 s
